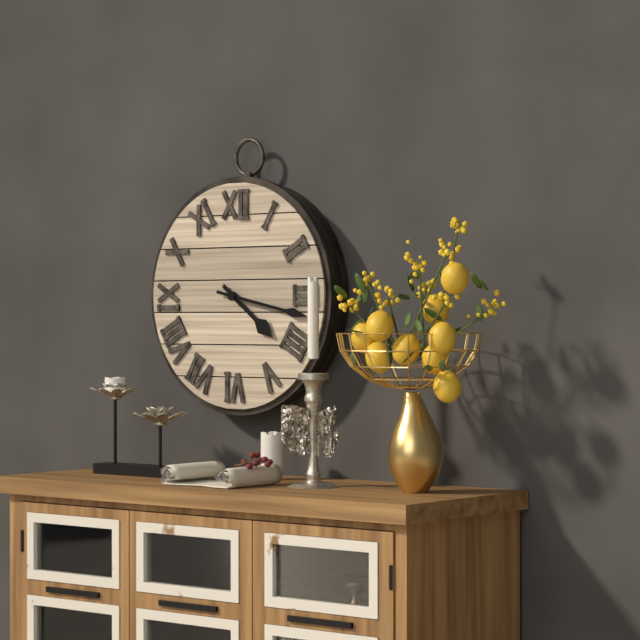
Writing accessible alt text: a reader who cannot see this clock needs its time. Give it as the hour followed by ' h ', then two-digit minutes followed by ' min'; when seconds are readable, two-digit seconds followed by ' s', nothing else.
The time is 4 h 17 min
